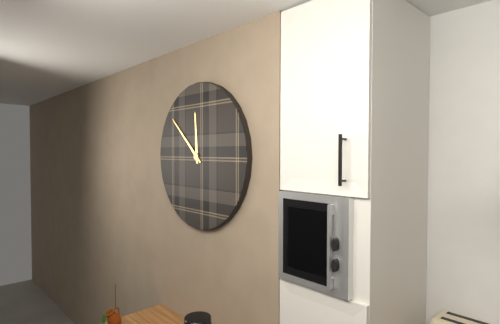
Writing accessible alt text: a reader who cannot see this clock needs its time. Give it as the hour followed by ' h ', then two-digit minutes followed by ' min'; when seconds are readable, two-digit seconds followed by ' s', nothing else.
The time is 11 h 52 min
